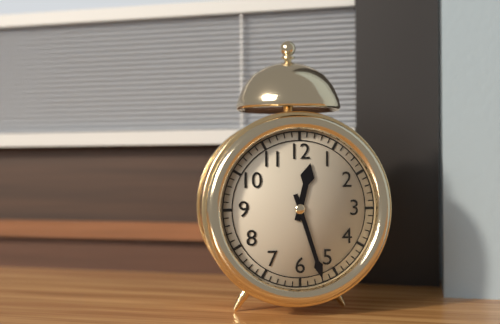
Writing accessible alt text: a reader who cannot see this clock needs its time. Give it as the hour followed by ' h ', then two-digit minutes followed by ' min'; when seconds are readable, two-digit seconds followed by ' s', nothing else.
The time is 12 h 27 min
